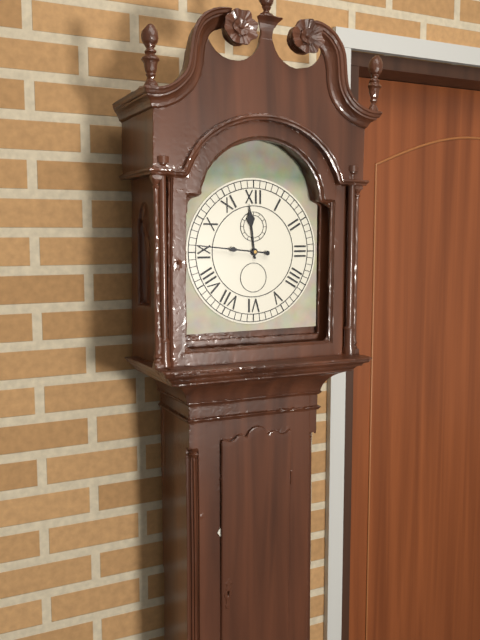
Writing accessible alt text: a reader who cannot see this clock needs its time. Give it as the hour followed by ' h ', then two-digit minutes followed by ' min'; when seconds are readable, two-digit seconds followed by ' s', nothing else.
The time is 11 h 46 min
